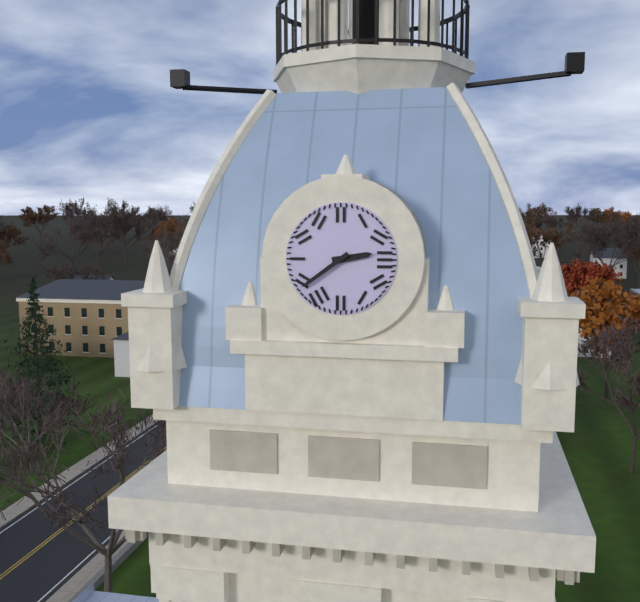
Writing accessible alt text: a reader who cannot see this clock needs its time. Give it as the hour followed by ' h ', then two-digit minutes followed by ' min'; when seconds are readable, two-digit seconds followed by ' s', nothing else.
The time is 2 h 39 min
